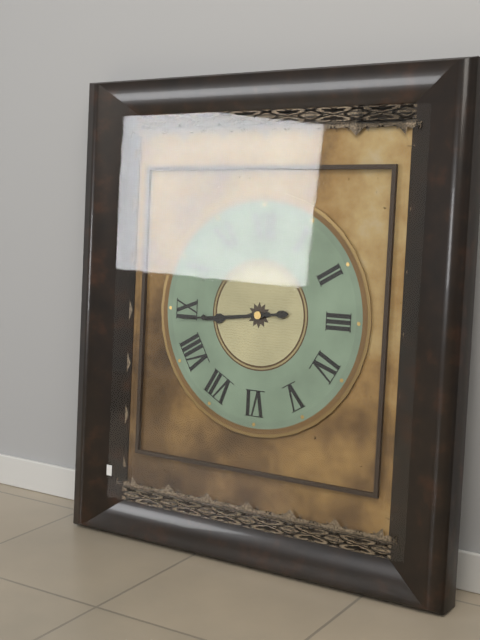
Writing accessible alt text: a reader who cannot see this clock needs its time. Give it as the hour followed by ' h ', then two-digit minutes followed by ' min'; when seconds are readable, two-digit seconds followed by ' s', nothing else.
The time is 8 h 44 min
